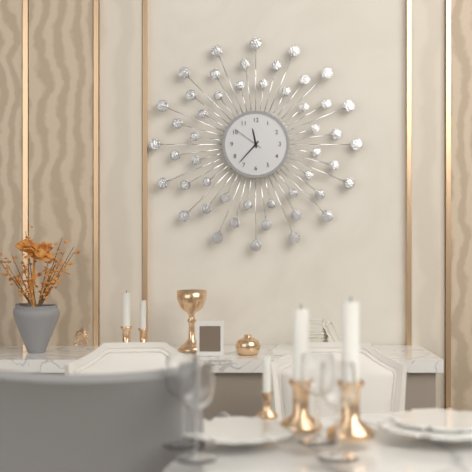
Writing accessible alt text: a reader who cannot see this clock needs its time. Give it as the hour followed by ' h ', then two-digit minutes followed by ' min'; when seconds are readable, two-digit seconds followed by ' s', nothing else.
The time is 11 h 37 min
